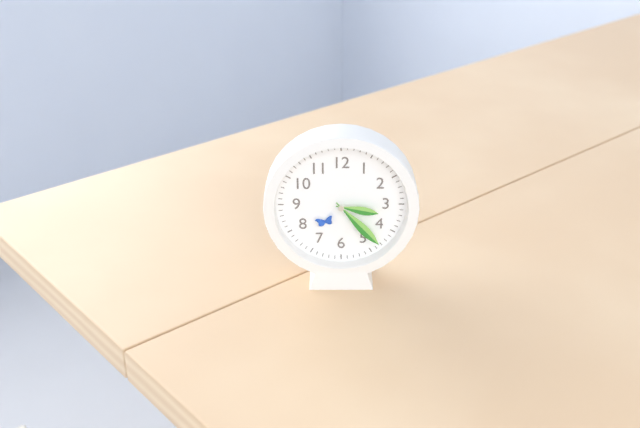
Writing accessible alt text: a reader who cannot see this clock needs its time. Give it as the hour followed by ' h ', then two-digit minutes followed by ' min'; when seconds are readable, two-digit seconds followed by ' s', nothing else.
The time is 3 h 23 min
